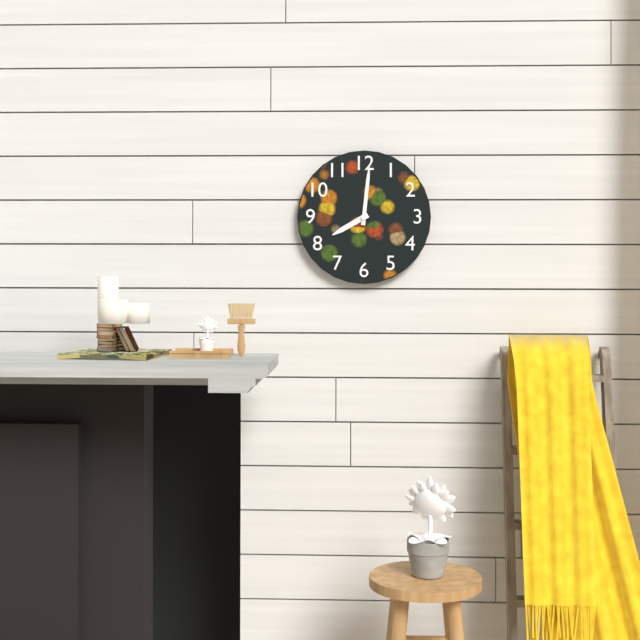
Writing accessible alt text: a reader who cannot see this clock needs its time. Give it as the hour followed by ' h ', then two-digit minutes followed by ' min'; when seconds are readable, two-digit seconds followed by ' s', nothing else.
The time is 8 h 01 min
